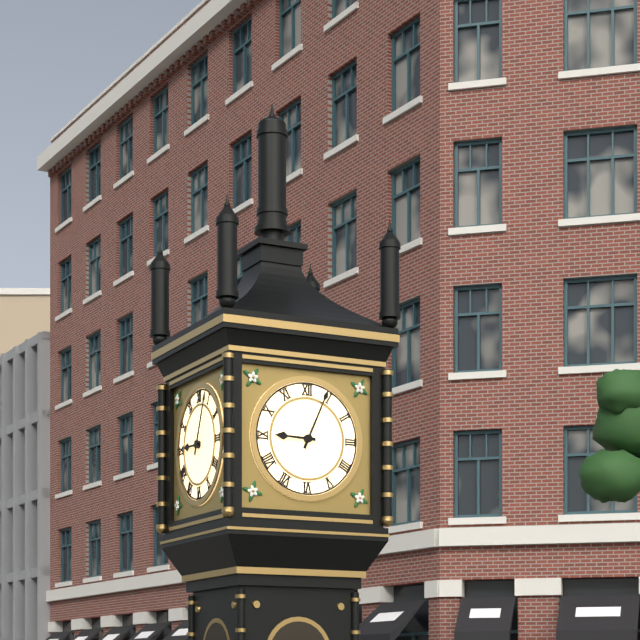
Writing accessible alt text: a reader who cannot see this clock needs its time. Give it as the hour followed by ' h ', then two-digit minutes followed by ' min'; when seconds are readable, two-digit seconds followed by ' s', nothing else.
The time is 9 h 04 min
